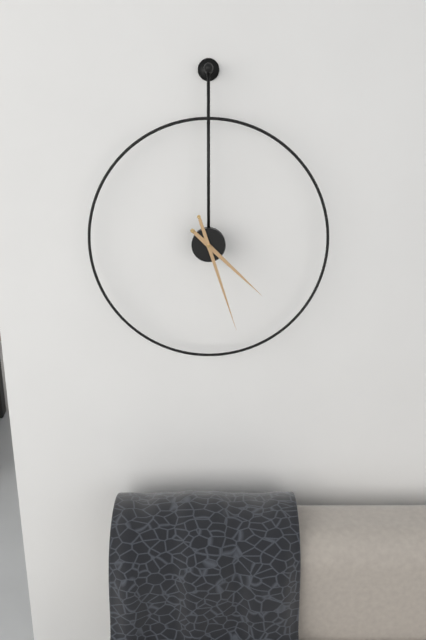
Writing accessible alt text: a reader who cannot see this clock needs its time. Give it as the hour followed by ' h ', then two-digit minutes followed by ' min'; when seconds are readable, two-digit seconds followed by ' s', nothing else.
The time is 4 h 27 min
